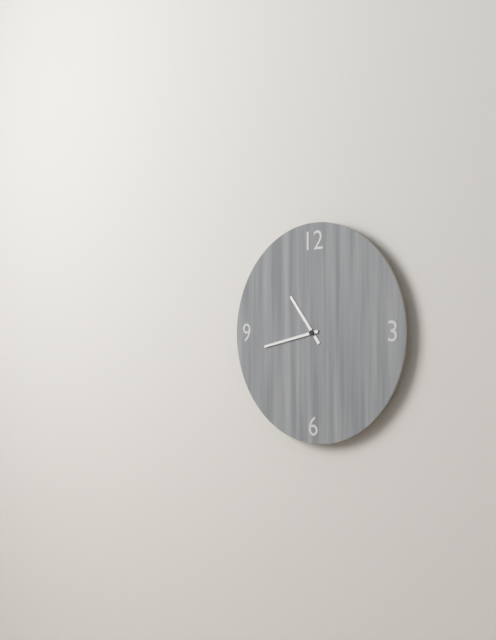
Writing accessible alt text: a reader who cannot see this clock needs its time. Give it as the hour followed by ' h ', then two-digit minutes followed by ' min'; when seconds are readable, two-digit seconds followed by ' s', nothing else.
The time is 10 h 43 min
